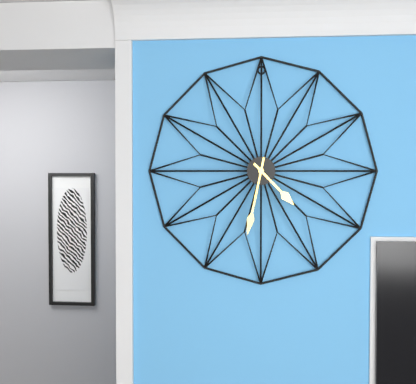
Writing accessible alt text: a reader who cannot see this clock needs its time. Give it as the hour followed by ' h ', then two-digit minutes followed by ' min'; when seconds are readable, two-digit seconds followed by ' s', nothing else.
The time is 4 h 32 min
